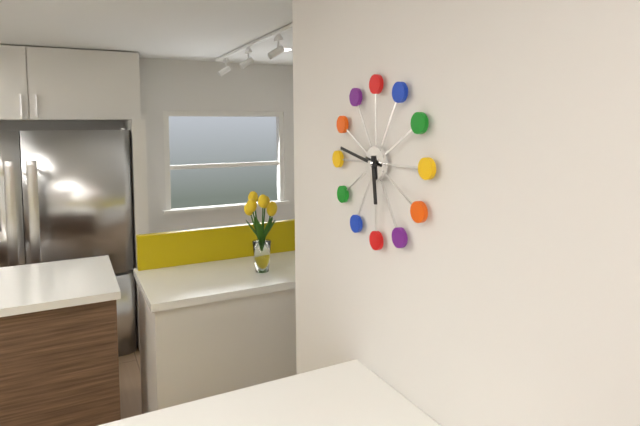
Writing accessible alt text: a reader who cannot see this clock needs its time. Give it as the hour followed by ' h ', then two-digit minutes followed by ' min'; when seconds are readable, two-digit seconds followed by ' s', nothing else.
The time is 5 h 47 min
